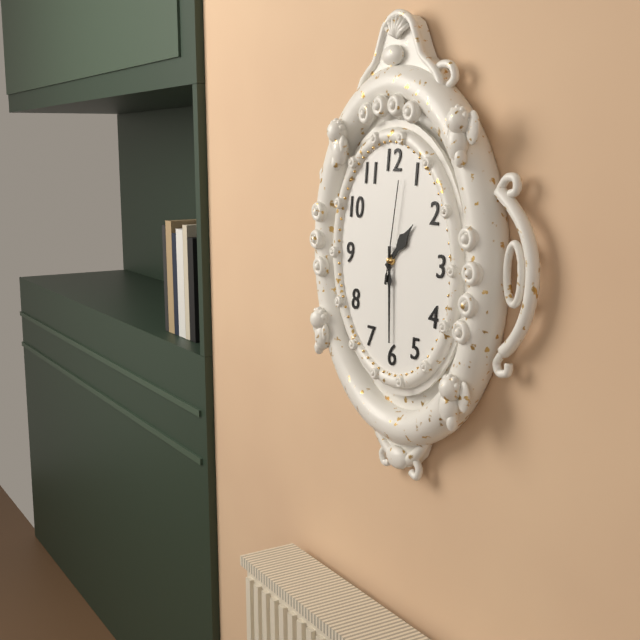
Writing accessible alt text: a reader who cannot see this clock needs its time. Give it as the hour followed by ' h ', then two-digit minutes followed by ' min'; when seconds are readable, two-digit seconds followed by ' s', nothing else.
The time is 1 h 30 min 02 s
